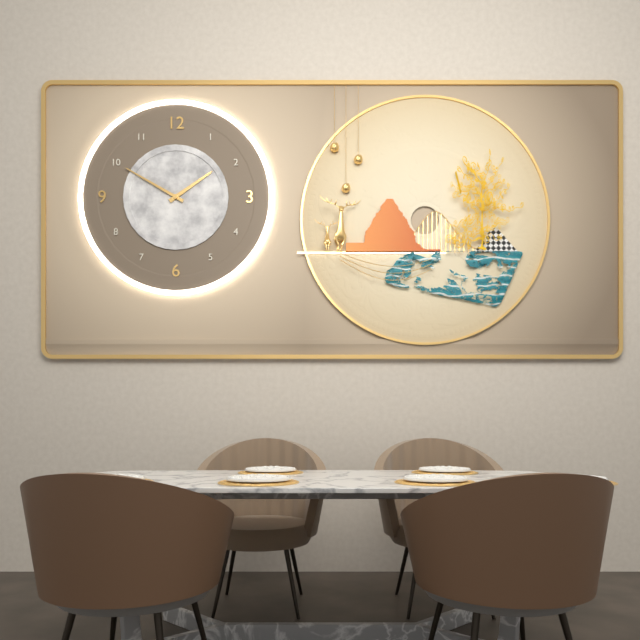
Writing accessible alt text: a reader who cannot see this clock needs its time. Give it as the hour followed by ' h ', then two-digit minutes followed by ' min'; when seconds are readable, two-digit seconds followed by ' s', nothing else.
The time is 1 h 50 min
